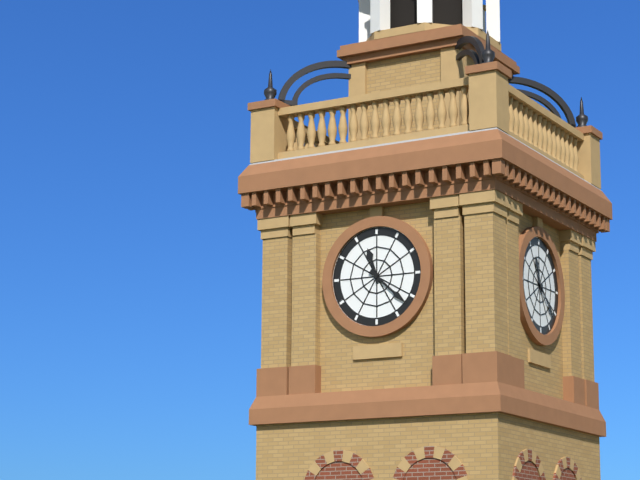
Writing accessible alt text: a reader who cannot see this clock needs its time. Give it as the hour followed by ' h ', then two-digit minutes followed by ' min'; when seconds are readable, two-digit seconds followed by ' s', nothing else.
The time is 11 h 22 min
